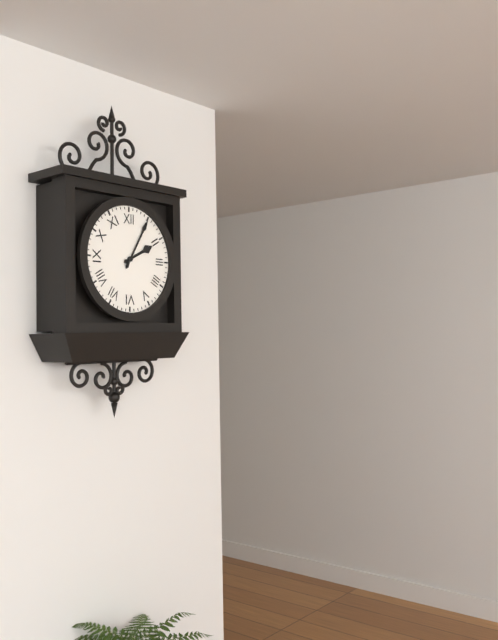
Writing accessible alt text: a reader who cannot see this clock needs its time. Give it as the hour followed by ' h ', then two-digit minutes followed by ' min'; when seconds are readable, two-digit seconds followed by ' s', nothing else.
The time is 2 h 05 min
